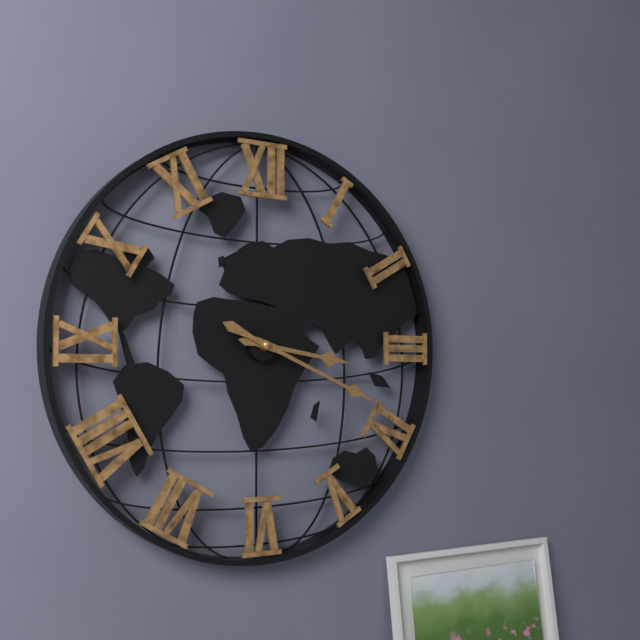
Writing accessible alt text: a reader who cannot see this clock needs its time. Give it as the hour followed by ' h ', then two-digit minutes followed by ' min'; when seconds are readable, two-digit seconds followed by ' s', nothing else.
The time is 3 h 19 min
